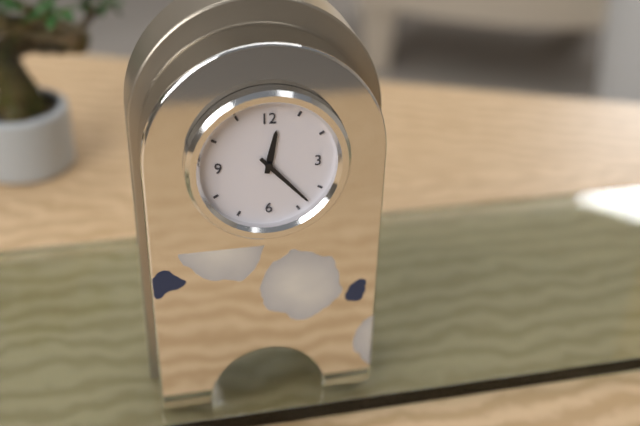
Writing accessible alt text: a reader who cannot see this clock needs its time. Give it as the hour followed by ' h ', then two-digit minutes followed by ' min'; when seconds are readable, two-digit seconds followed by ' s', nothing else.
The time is 12 h 23 min
